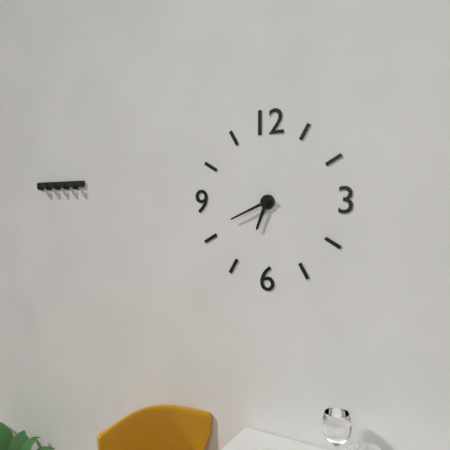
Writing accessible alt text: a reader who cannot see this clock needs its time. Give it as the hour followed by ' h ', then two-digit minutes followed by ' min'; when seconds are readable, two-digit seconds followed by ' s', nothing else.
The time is 6 h 41 min
